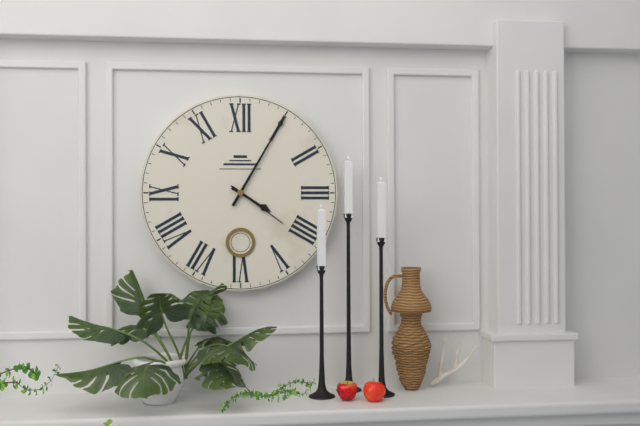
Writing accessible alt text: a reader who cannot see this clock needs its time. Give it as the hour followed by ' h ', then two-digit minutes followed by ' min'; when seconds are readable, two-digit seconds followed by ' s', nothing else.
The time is 4 h 05 min 21 s
